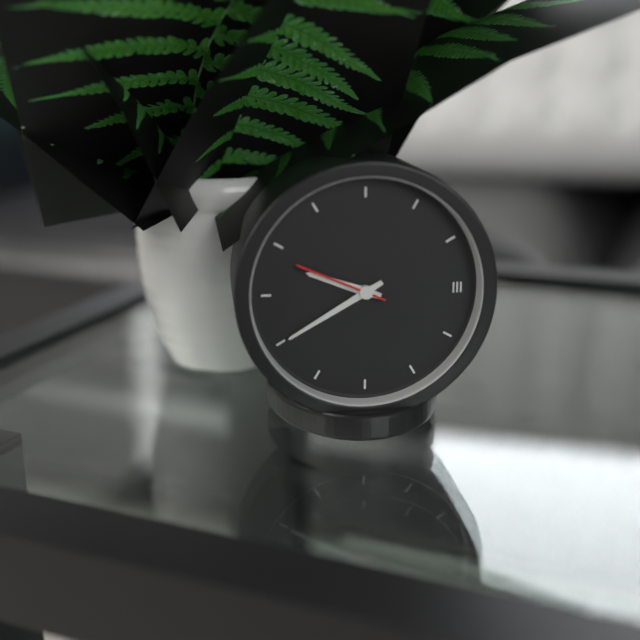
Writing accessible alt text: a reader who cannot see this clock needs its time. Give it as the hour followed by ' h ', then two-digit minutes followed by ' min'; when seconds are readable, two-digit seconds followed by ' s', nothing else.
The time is 9 h 40 min 49 s
